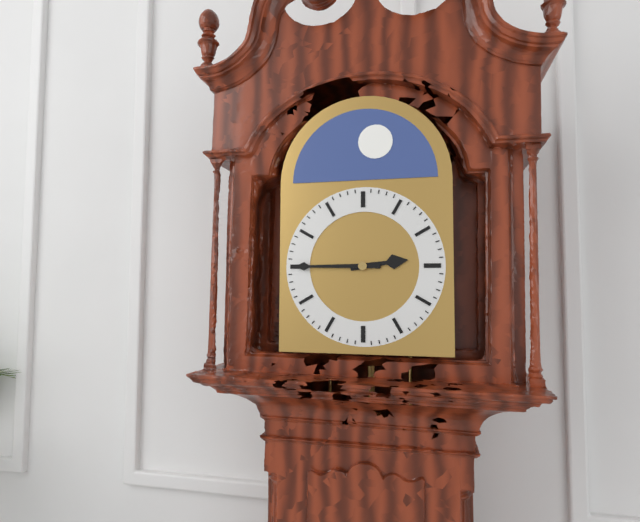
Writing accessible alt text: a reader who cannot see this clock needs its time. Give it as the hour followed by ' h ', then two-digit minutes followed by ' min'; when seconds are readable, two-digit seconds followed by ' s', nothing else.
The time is 2 h 45 min
